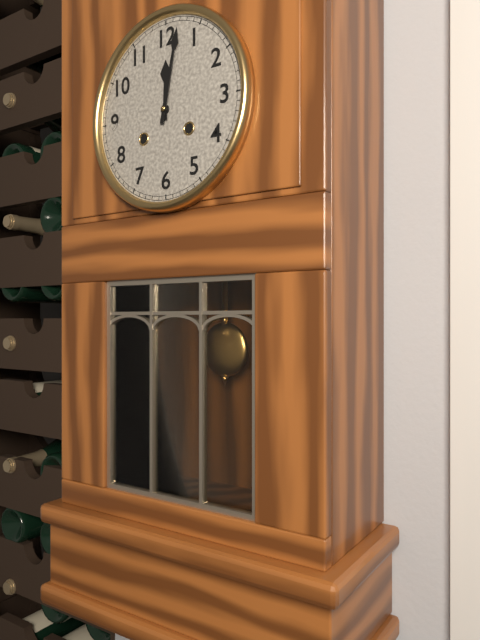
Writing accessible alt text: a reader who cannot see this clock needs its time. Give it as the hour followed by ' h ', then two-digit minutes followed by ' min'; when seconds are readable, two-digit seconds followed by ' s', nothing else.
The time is 12 h 02 min
